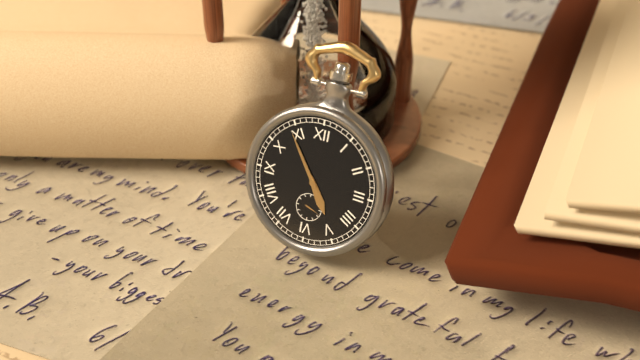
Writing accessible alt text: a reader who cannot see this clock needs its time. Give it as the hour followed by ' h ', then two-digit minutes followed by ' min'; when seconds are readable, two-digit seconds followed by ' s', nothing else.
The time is 4 h 54 min
